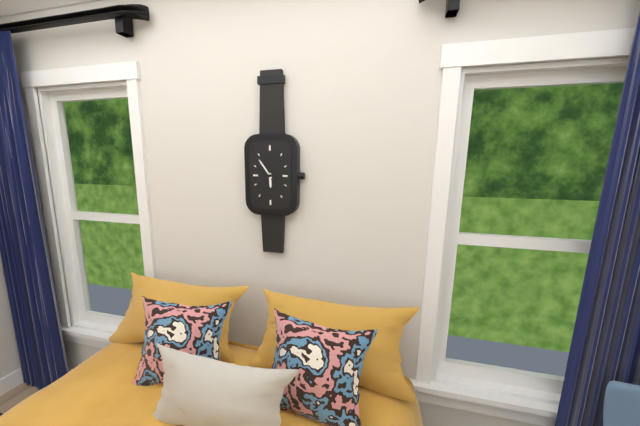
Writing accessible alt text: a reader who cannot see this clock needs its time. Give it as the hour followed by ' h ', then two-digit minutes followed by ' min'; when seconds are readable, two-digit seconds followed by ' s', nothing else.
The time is 5 h 54 min
